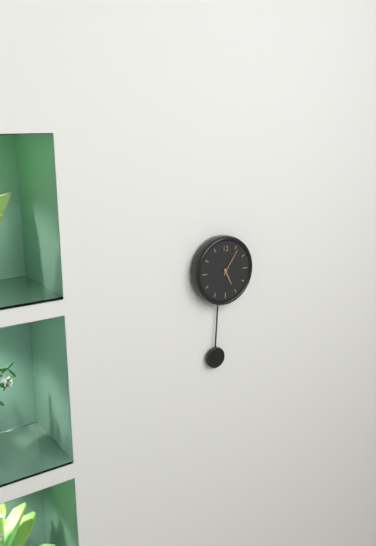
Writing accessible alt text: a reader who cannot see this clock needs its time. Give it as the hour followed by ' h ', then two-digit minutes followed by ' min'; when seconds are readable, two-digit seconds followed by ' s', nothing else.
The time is 5 h 06 min
